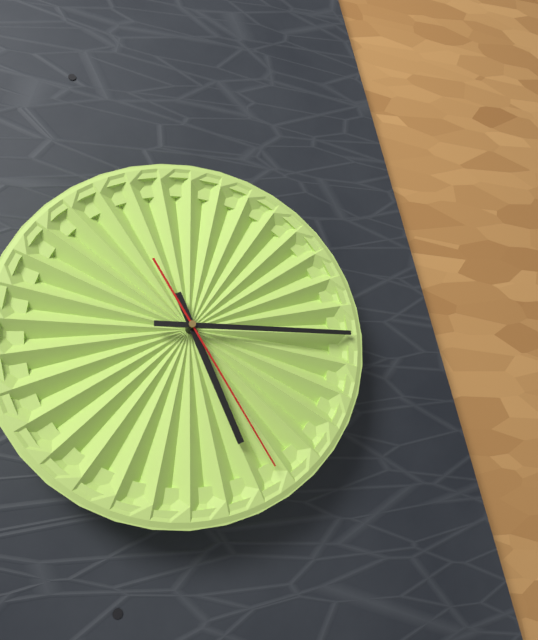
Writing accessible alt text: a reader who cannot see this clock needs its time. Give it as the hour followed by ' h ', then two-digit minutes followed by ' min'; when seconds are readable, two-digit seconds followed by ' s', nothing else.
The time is 5 h 15 min 25 s
